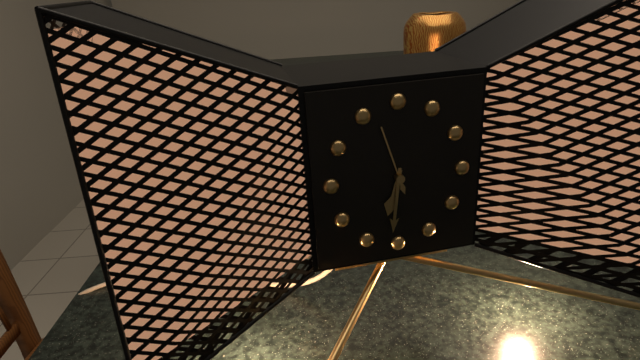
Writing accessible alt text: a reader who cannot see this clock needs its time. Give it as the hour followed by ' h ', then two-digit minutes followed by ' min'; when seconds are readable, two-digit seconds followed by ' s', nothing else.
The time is 6 h 31 min 57 s
